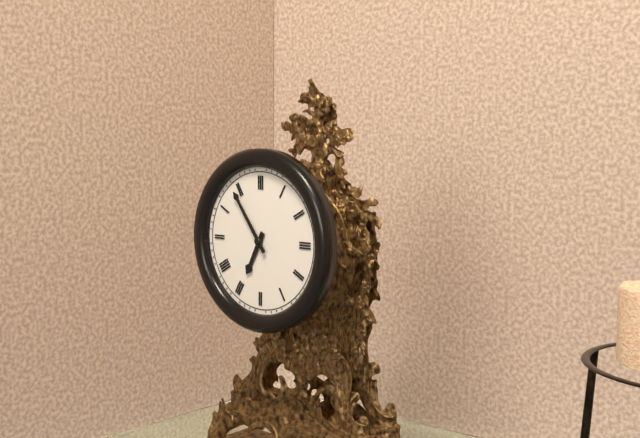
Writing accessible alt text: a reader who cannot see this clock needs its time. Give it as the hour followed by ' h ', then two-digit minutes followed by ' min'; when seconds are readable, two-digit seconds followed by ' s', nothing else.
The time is 6 h 54 min
